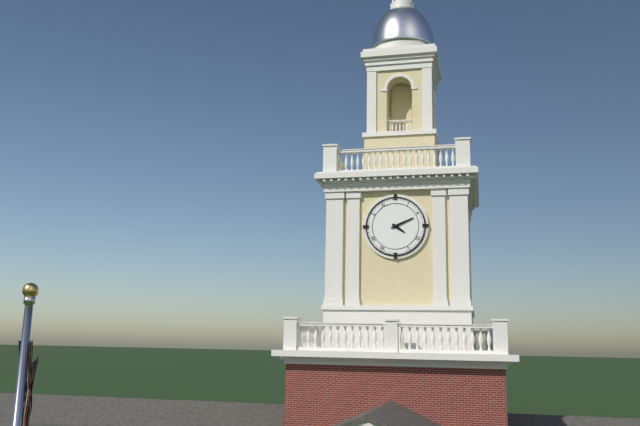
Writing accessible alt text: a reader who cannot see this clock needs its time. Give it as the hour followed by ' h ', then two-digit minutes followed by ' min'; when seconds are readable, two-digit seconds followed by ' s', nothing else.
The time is 4 h 11 min
